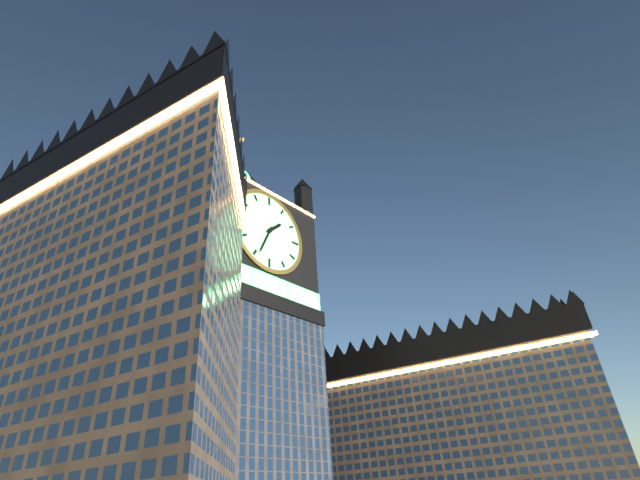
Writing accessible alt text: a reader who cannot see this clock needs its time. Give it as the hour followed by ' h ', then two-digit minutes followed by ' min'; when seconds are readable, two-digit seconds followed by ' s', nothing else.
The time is 1 h 34 min
